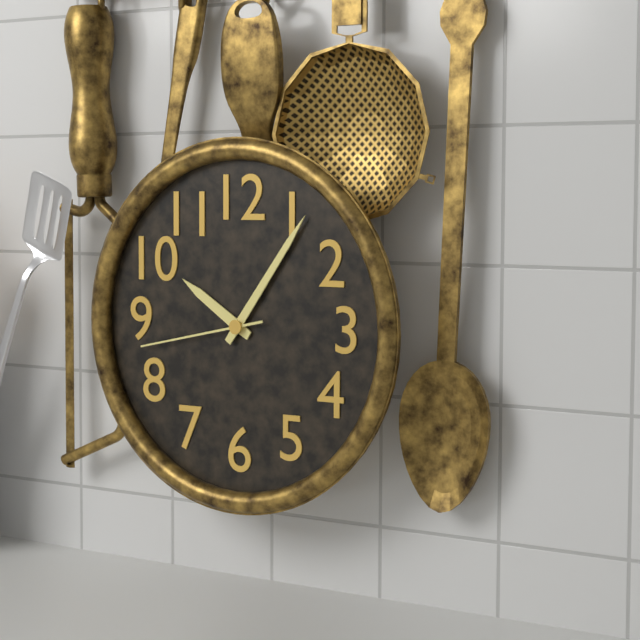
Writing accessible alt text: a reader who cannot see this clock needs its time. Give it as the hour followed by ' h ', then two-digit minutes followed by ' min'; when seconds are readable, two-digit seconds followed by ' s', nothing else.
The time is 10 h 06 min 43 s
